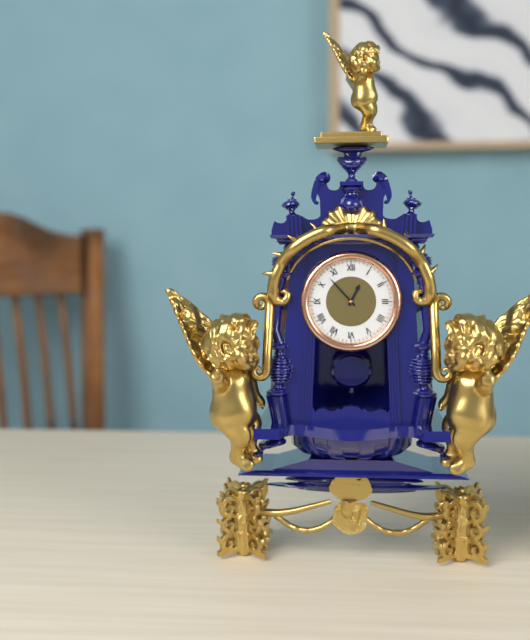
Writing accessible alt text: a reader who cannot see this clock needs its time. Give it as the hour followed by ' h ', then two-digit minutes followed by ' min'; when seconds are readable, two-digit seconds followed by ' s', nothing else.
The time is 12 h 53 min
